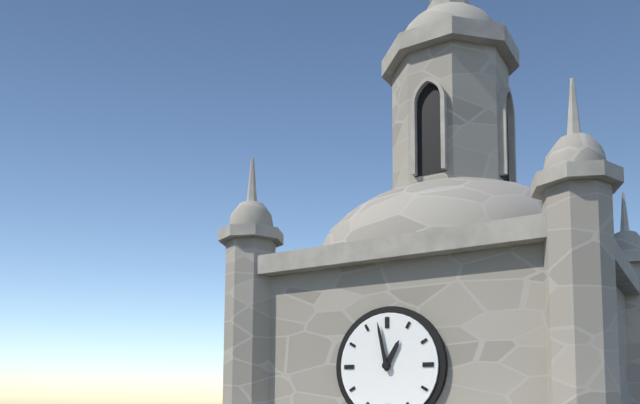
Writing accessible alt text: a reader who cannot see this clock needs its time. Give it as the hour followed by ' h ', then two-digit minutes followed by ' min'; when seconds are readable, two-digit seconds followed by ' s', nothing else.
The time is 12 h 58 min
